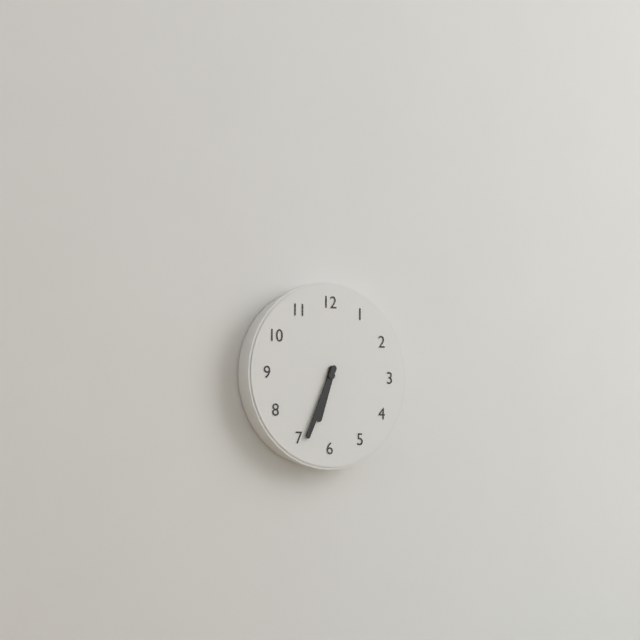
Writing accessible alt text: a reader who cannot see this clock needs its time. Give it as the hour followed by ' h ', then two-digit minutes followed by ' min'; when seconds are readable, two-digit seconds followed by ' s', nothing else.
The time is 6 h 34 min
